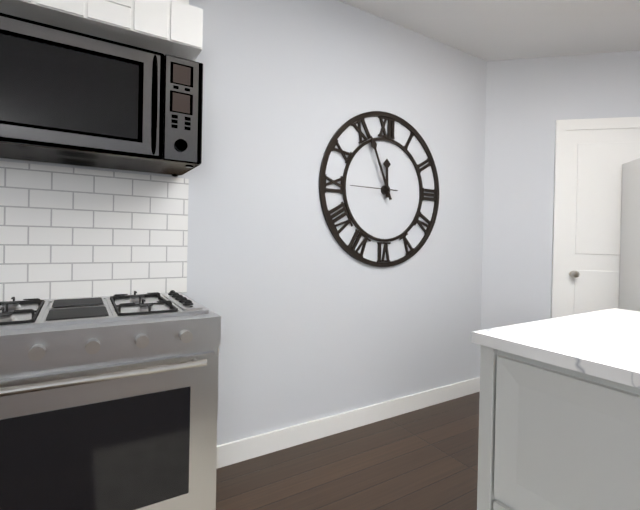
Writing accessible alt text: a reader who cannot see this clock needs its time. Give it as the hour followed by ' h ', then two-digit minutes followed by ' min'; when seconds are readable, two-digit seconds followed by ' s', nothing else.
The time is 11 h 56 min
